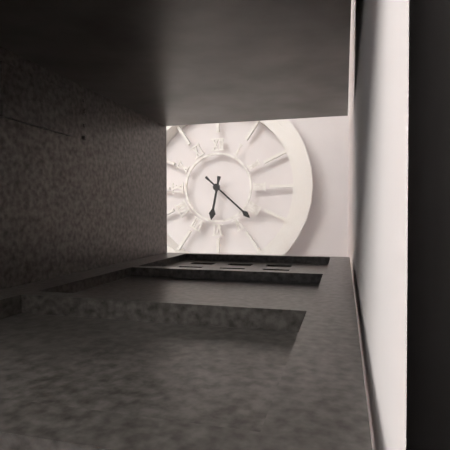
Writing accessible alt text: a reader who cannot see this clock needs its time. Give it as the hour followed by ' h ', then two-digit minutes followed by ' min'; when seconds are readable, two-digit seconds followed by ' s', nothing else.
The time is 6 h 22 min
